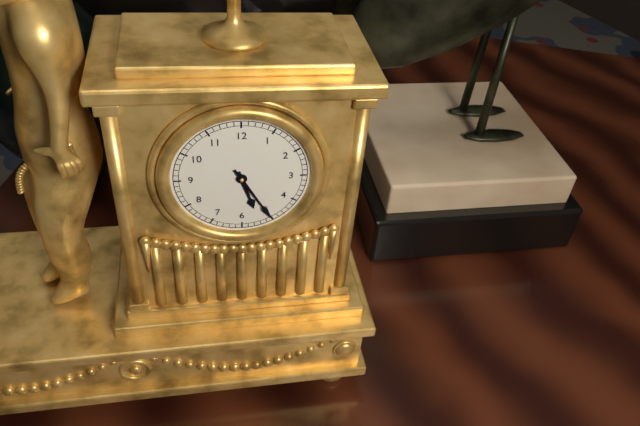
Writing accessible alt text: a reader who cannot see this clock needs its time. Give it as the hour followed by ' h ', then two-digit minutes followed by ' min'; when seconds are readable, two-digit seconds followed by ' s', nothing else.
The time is 5 h 25 min
